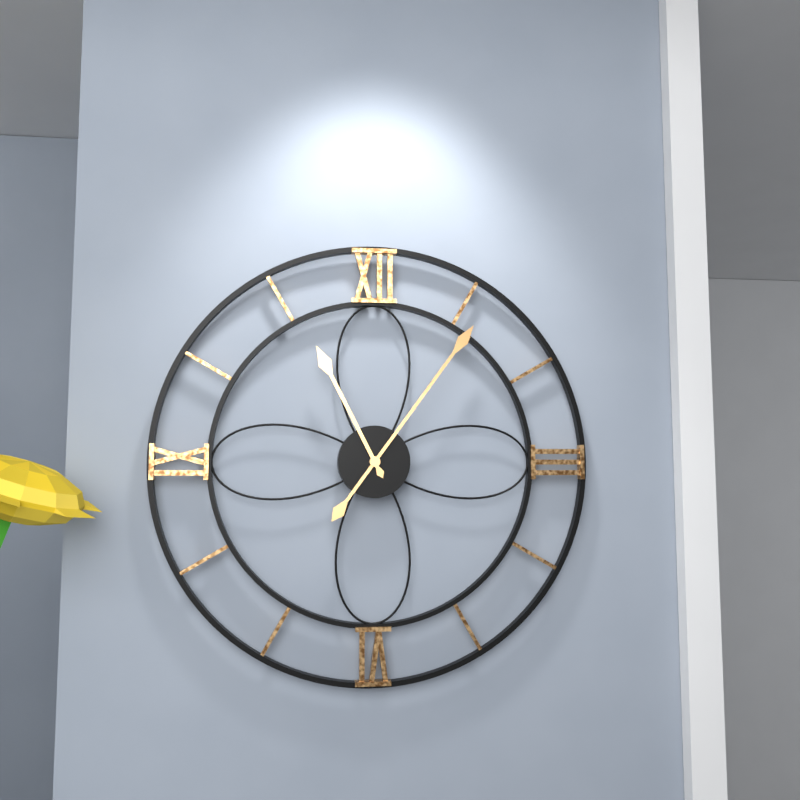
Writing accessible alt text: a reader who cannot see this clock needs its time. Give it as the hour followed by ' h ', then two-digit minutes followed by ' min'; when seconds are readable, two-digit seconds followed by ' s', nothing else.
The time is 11 h 06 min
